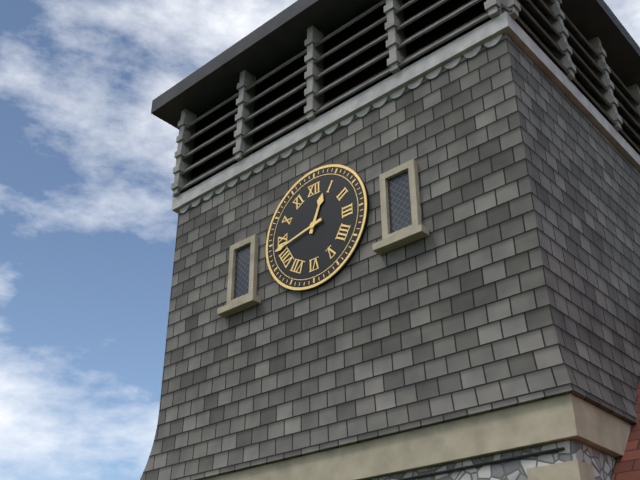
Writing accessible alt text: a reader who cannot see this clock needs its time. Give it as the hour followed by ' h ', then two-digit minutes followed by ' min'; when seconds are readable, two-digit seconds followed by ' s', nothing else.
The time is 12 h 43 min
